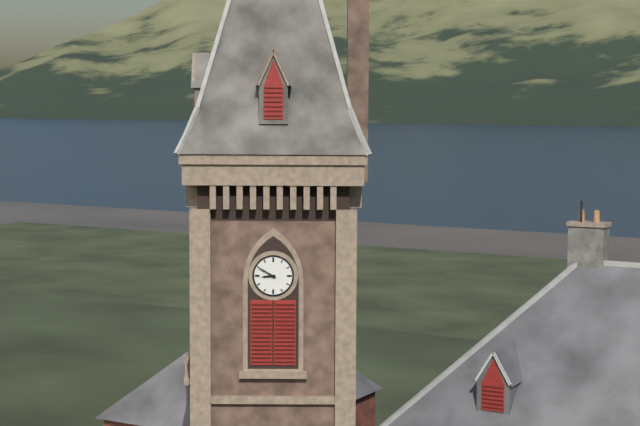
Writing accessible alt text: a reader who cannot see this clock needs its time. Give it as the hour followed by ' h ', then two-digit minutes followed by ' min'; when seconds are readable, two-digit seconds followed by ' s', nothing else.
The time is 8 h 50 min
